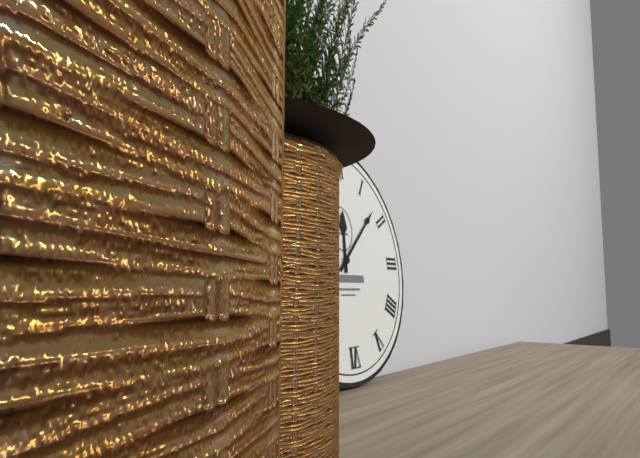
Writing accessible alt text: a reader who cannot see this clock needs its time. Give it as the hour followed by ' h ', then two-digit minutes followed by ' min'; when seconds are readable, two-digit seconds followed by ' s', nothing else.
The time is 12 h 08 min
